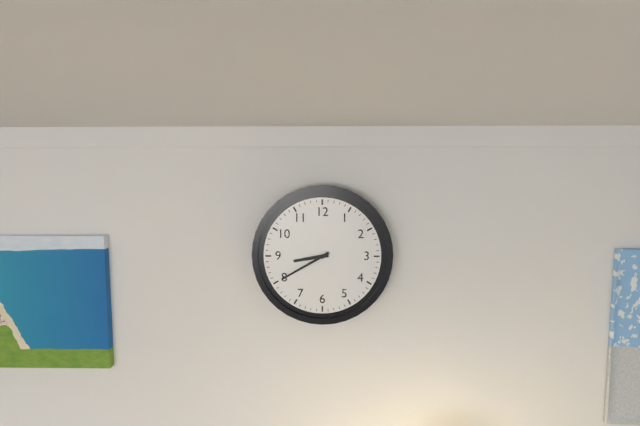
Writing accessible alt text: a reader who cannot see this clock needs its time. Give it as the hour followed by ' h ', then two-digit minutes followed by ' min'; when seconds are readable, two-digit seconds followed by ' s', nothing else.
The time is 8 h 40 min
